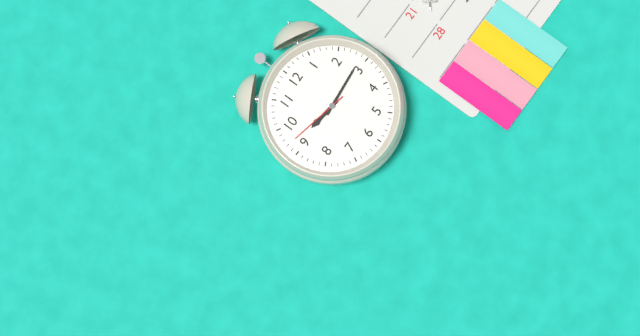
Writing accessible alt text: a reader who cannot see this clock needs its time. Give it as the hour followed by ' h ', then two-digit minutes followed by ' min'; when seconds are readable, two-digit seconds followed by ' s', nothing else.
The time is 9 h 14 min 47 s
